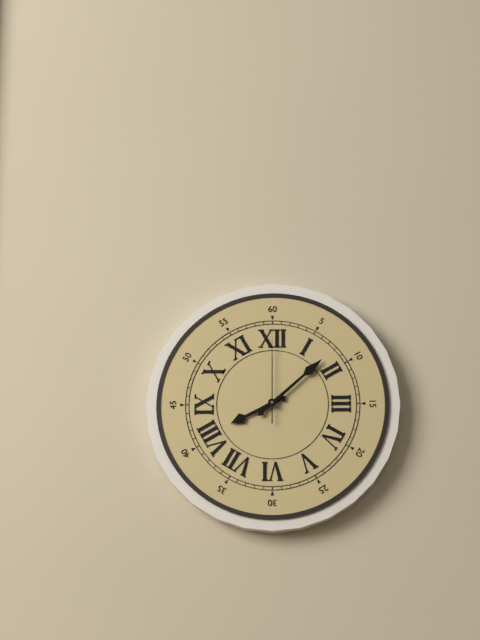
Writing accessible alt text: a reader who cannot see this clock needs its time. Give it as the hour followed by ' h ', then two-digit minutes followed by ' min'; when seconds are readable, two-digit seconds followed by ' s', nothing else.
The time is 8 h 08 min 00 s
